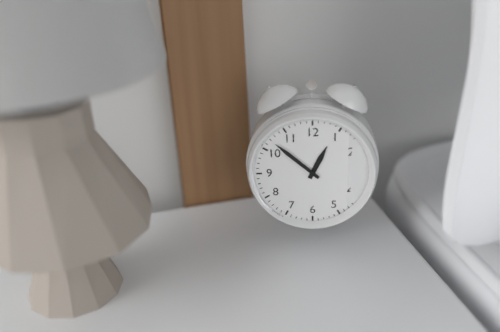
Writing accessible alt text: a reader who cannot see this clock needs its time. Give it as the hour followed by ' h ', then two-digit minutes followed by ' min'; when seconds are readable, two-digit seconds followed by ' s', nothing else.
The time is 12 h 52 min
